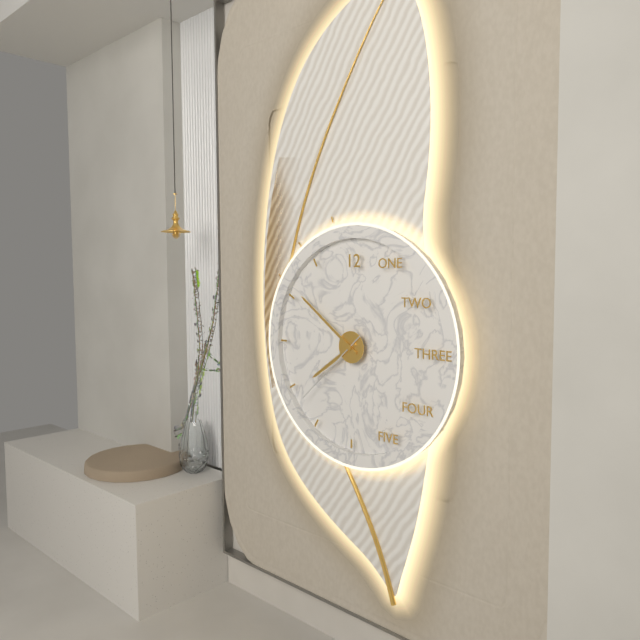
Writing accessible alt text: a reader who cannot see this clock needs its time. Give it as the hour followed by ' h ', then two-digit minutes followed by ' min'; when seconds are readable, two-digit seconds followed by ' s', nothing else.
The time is 7 h 51 min 38 s
